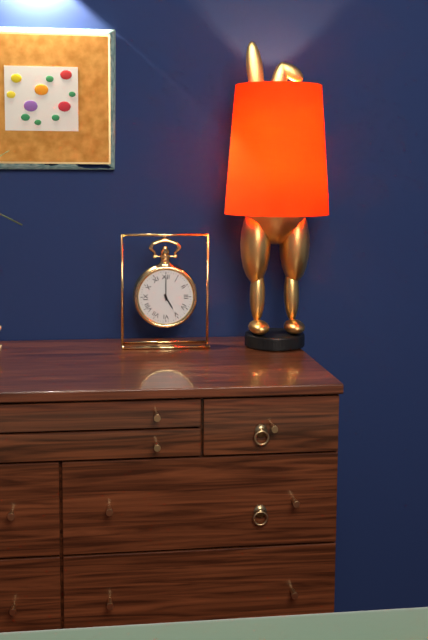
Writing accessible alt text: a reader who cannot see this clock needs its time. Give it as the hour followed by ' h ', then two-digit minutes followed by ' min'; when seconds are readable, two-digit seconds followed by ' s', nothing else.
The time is 5 h 00 min
